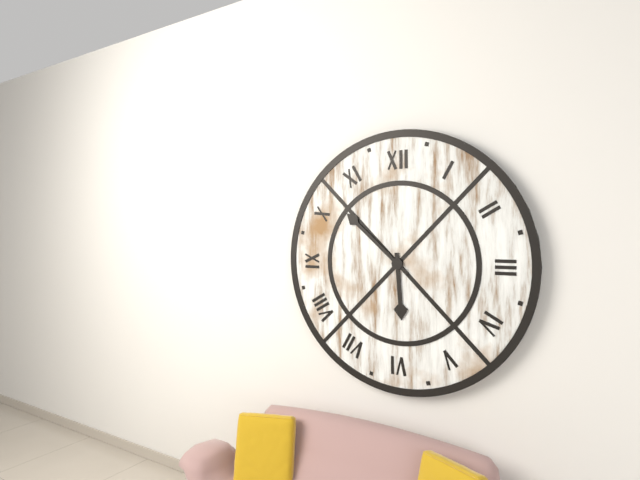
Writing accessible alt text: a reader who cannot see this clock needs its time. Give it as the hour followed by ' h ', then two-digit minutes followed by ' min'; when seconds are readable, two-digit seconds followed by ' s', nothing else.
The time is 5 h 52 min
